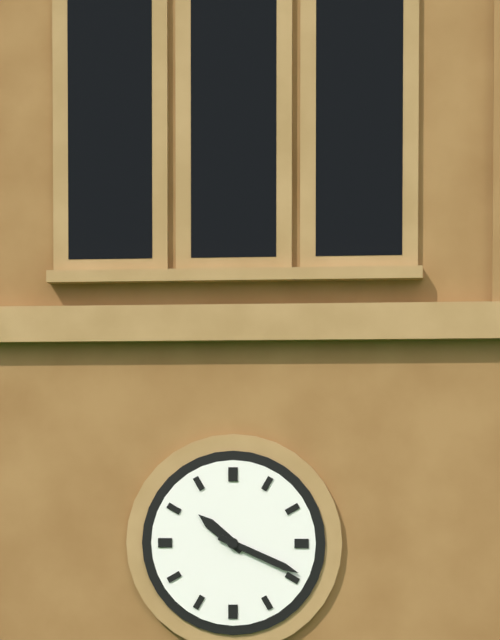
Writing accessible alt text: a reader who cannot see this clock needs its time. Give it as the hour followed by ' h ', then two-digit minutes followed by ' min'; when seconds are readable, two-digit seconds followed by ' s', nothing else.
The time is 10 h 19 min
